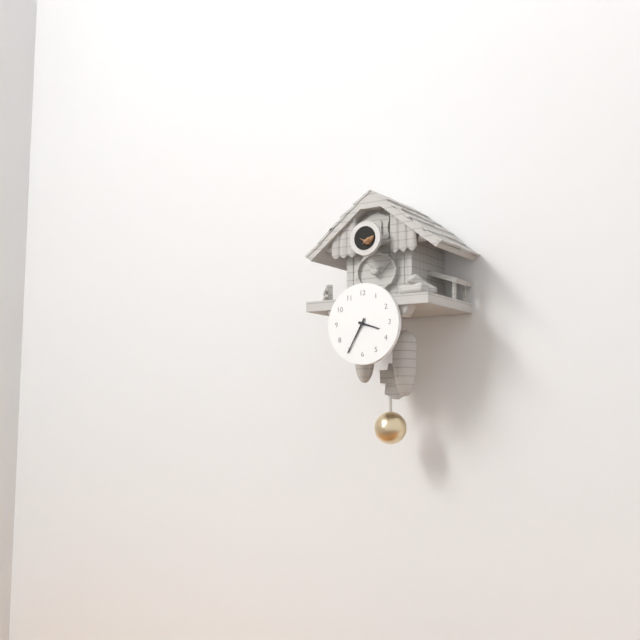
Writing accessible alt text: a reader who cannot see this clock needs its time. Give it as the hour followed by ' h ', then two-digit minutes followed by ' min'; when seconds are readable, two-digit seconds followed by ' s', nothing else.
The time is 3 h 35 min
